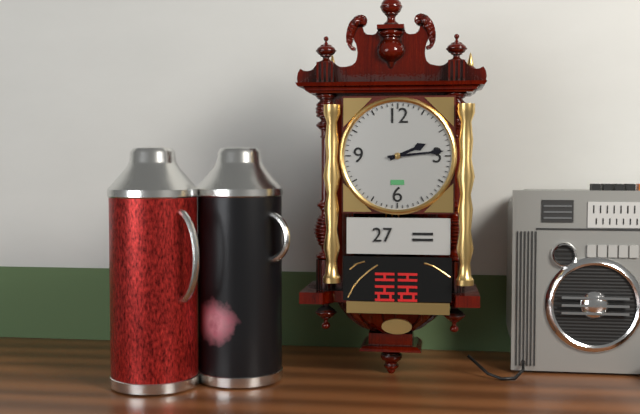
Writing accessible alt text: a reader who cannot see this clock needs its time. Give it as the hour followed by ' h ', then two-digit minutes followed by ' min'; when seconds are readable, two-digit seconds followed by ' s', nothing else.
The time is 2 h 14 min
